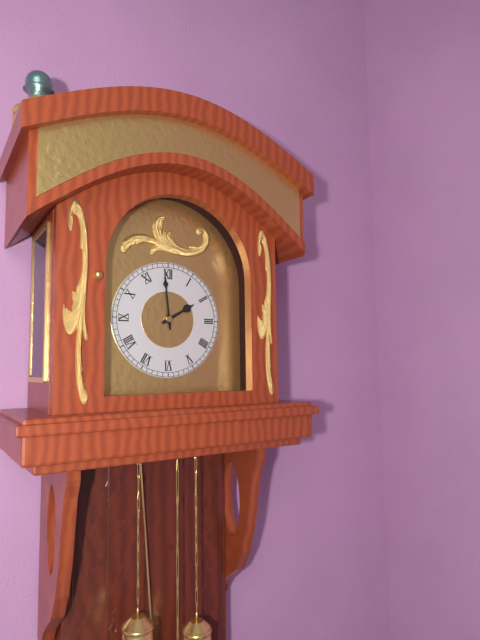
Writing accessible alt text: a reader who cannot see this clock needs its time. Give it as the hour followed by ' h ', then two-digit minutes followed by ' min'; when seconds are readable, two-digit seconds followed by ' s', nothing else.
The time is 1 h 59 min
